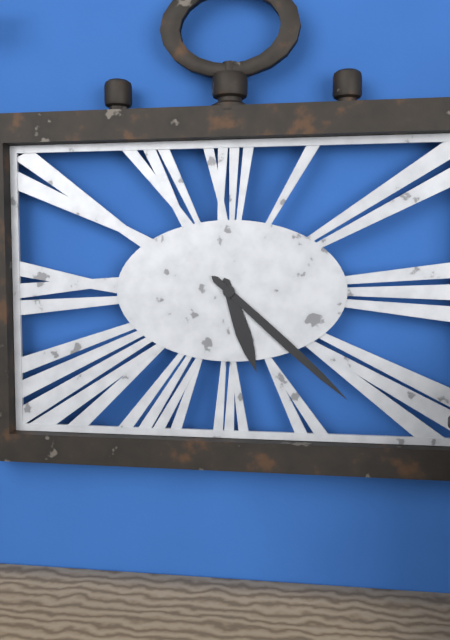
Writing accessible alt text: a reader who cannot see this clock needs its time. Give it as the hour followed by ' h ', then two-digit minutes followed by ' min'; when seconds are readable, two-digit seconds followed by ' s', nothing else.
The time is 5 h 22 min
